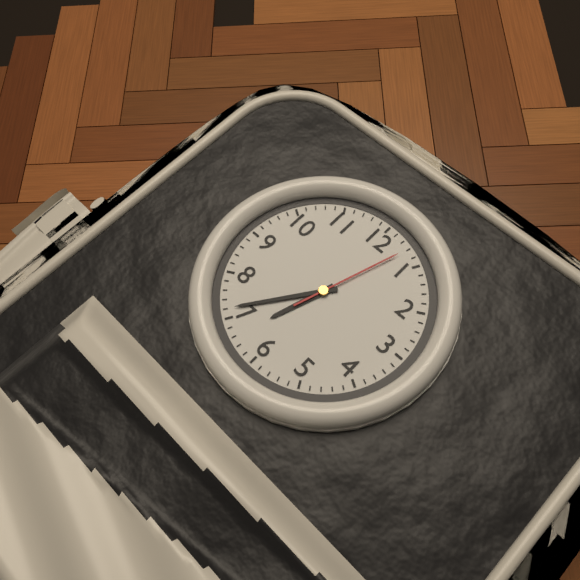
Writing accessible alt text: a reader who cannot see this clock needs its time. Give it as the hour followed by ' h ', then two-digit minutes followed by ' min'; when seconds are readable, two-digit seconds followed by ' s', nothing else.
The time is 6 h 36 min 03 s
